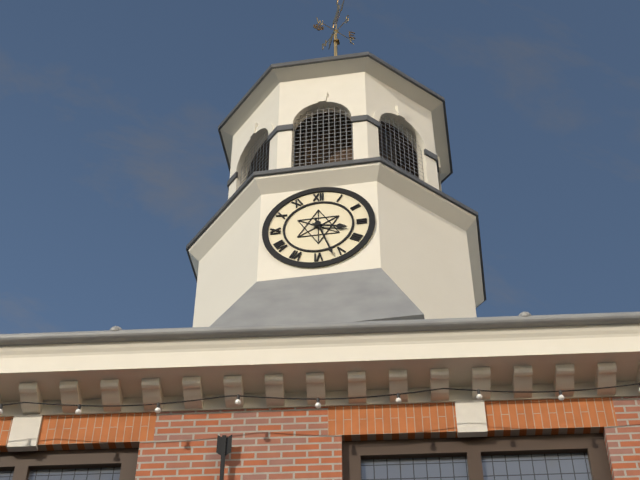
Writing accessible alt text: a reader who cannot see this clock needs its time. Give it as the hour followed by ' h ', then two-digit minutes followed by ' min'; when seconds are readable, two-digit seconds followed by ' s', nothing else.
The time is 3 h 27 min
